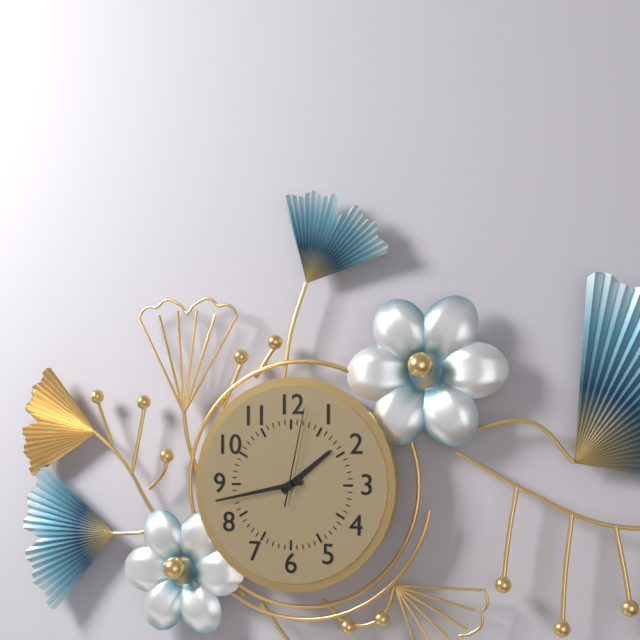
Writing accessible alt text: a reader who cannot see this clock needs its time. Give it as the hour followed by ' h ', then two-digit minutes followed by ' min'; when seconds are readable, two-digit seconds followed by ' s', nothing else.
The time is 1 h 43 min 02 s
